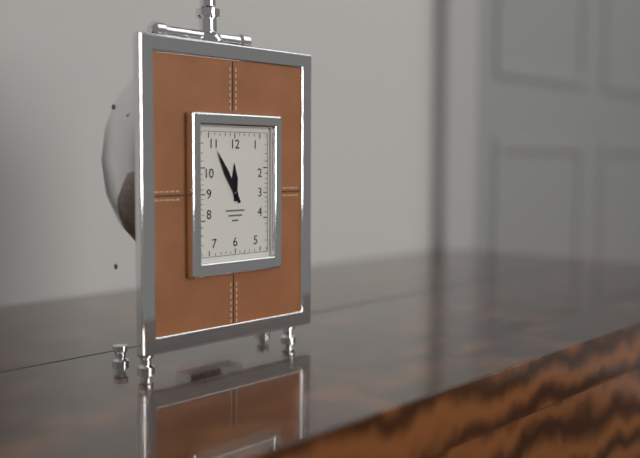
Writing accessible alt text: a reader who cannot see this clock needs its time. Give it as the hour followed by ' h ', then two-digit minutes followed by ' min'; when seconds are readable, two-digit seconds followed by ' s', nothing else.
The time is 11 h 55 min
